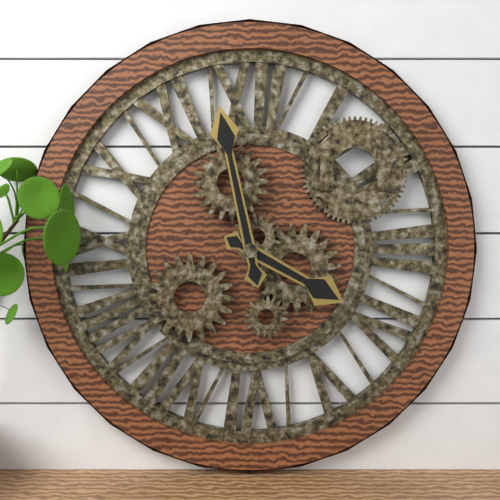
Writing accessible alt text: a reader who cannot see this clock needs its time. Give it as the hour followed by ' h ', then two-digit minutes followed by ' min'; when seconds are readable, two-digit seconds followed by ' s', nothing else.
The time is 3 h 58 min
